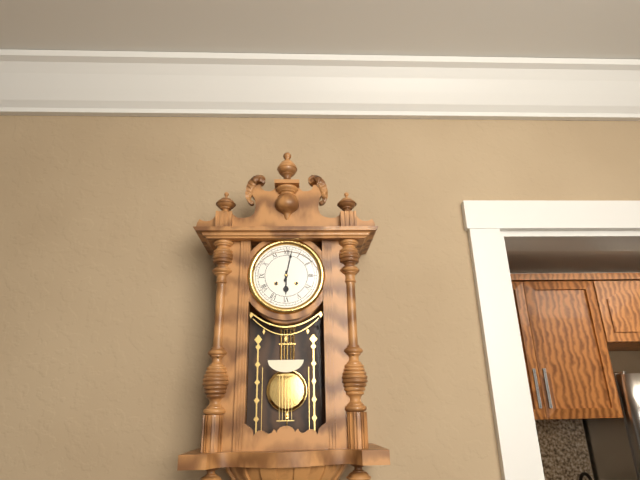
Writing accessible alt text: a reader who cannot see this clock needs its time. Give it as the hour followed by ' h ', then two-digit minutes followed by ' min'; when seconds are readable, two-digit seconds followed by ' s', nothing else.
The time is 6 h 02 min
